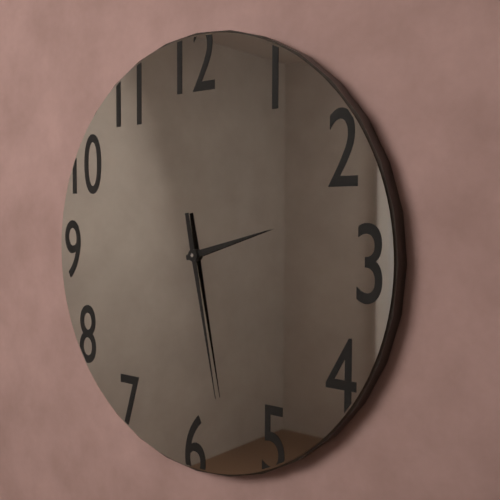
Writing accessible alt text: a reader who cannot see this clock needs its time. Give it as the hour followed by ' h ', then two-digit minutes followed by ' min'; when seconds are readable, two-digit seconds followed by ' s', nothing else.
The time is 2 h 28 min
